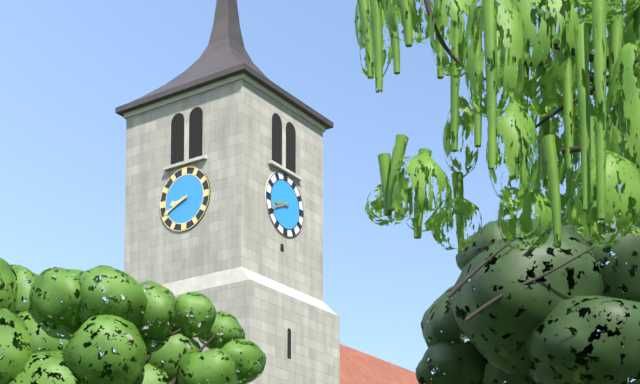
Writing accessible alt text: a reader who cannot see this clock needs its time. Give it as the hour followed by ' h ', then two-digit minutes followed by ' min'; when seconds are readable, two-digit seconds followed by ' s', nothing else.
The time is 8 h 41 min
